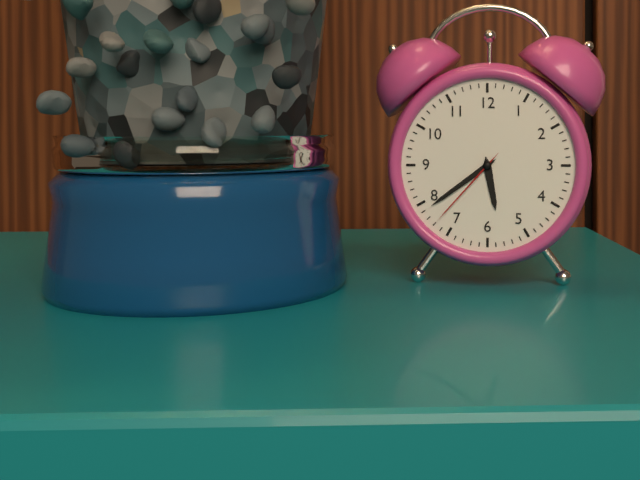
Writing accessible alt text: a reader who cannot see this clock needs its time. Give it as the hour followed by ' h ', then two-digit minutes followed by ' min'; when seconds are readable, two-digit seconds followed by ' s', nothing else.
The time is 5 h 39 min 37 s
